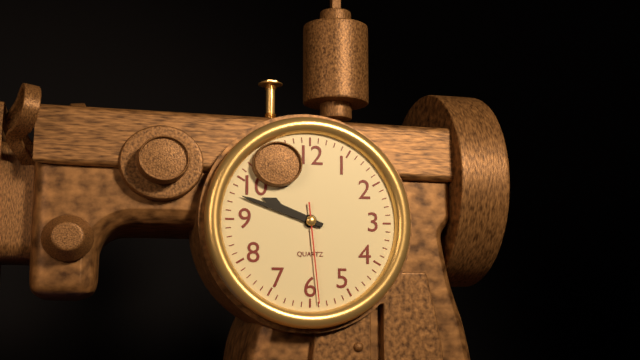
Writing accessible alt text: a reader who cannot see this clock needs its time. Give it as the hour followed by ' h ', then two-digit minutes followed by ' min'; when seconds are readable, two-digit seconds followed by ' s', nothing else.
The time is 9 h 48 min 29 s
